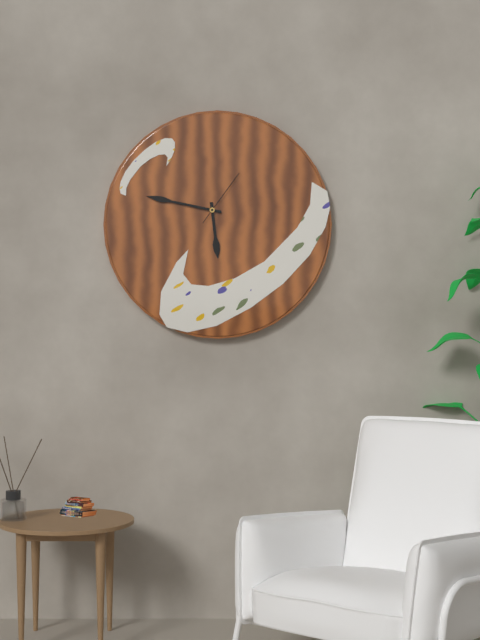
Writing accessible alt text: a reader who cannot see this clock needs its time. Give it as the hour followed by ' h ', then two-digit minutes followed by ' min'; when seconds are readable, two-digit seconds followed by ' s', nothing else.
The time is 5 h 47 min 06 s
